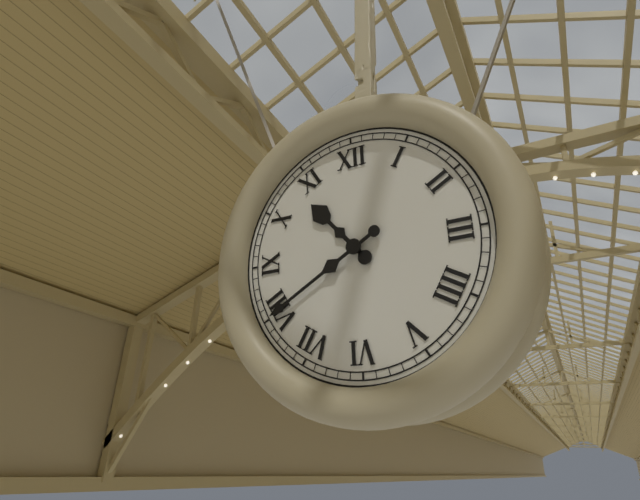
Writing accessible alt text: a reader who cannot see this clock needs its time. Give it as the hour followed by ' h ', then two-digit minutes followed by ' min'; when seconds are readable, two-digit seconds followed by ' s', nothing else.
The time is 10 h 40 min
